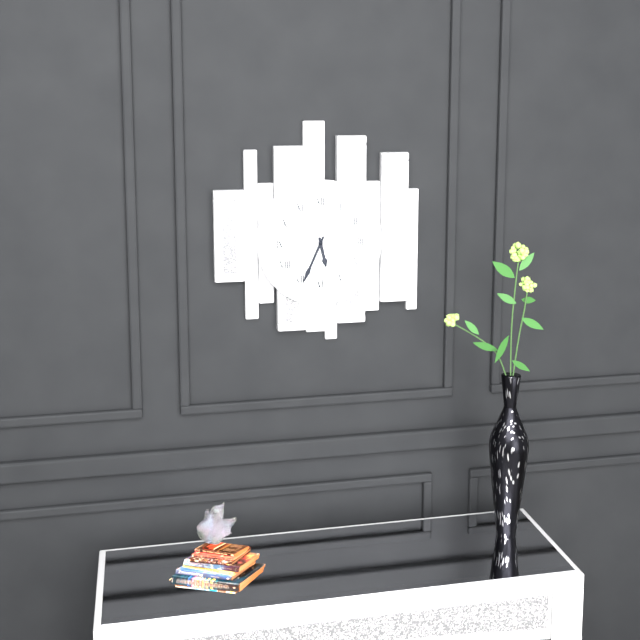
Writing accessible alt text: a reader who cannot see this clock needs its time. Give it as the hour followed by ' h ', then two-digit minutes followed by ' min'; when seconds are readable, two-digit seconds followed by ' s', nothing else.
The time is 5 h 34 min
